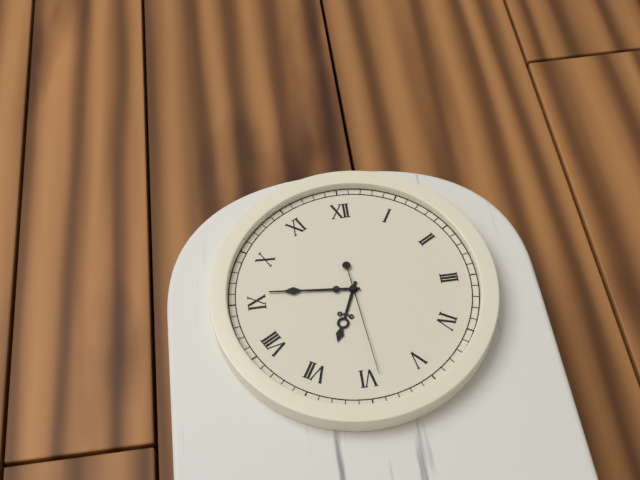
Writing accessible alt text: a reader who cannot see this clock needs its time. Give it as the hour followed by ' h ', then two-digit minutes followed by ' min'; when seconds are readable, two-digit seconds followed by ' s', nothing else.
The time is 6 h 46 min 29 s
